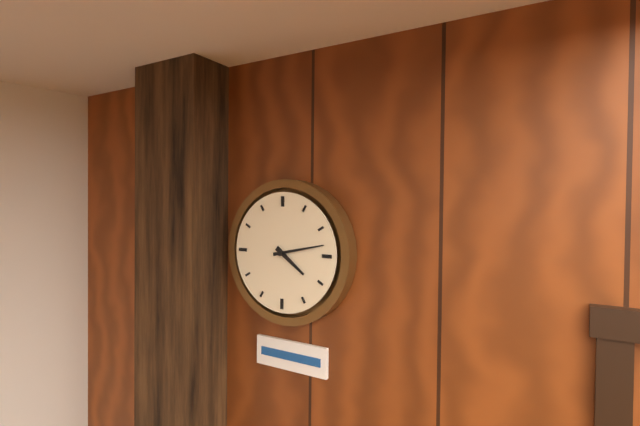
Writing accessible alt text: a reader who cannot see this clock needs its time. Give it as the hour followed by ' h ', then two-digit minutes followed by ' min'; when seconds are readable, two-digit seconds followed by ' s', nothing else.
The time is 4 h 13 min
